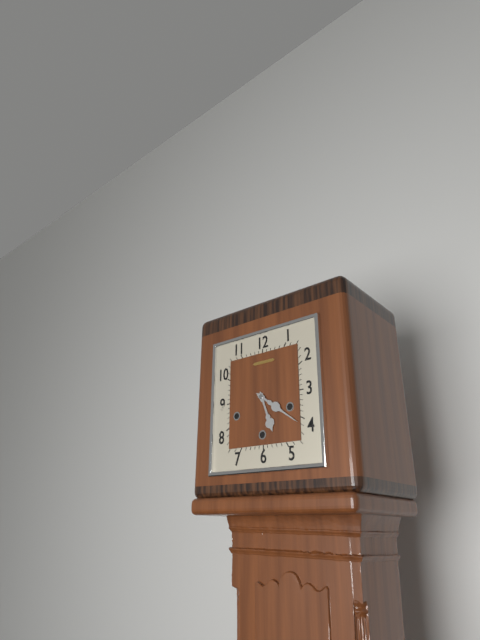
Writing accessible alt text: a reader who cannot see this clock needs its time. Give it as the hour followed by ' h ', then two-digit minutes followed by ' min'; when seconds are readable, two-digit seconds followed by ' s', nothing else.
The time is 5 h 21 min
